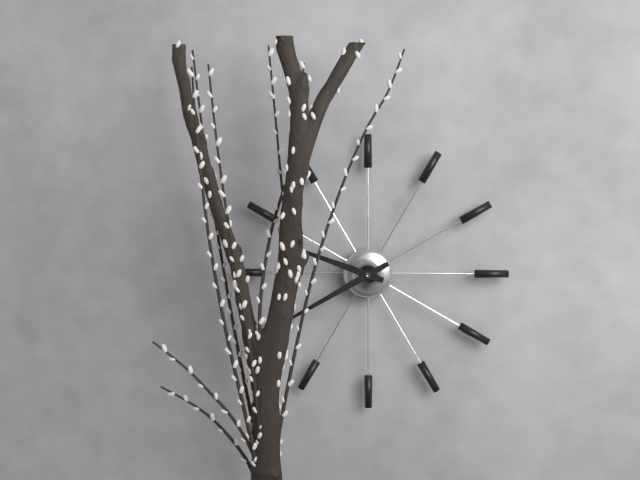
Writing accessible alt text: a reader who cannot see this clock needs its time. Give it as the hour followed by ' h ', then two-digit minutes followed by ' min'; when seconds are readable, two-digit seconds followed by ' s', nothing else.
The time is 9 h 40 min
